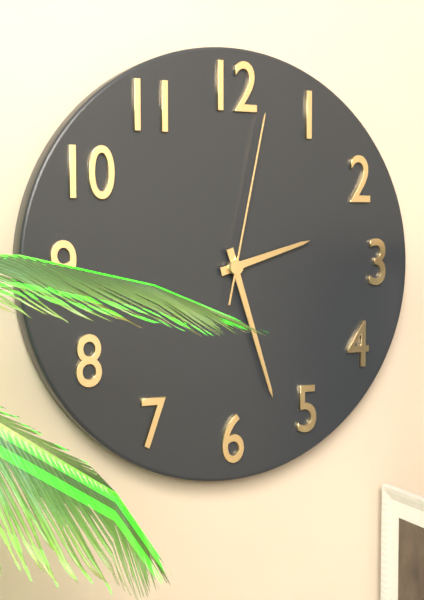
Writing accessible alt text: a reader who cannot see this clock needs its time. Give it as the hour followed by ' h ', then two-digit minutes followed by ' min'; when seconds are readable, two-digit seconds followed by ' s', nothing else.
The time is 2 h 27 min 02 s
